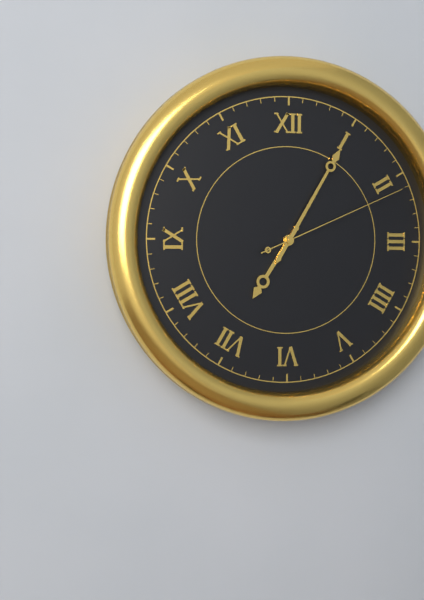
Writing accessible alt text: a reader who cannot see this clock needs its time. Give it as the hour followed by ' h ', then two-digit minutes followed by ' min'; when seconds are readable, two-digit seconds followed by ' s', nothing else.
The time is 7 h 05 min 11 s
